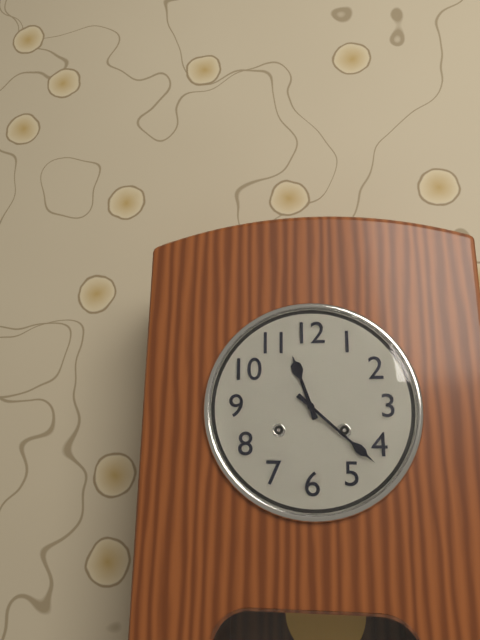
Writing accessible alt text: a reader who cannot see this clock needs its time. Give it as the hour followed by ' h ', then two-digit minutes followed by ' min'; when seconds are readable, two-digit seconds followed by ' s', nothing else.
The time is 11 h 22 min
